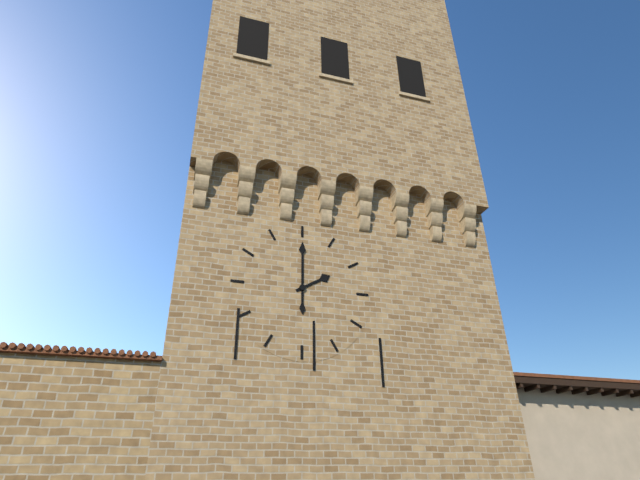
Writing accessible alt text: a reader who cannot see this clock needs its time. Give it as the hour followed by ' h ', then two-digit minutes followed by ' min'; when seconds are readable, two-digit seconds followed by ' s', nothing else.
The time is 2 h 00 min
